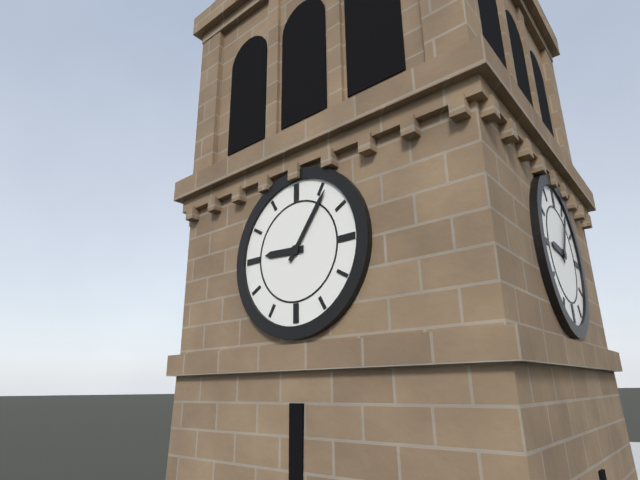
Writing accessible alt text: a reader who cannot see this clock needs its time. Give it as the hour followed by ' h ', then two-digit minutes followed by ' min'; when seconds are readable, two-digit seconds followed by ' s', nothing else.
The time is 9 h 06 min
